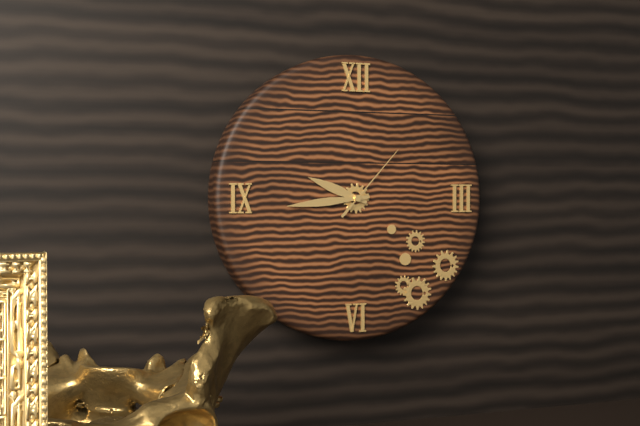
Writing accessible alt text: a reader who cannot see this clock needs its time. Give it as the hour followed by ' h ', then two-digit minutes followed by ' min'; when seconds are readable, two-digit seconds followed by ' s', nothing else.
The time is 9 h 44 min 07 s
